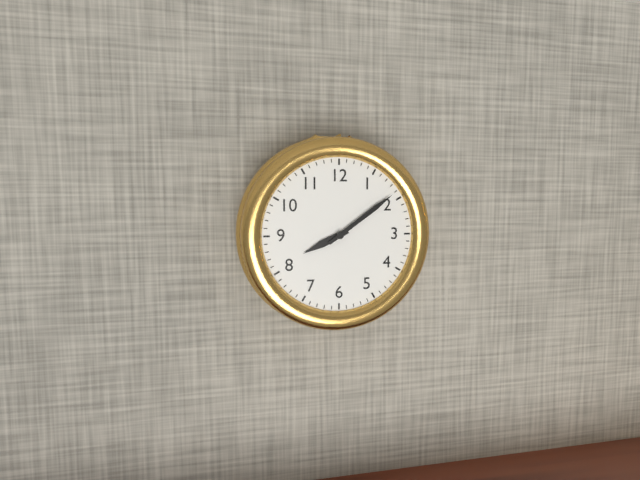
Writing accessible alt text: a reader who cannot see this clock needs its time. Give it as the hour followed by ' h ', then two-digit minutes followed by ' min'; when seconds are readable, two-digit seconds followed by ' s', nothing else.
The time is 8 h 09 min
